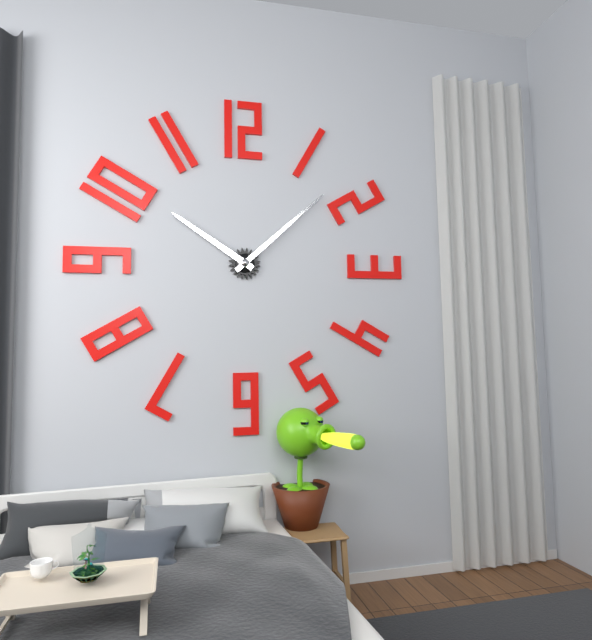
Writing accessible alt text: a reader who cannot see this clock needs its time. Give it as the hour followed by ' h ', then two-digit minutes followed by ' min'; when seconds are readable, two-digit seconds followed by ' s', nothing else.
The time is 10 h 08 min
